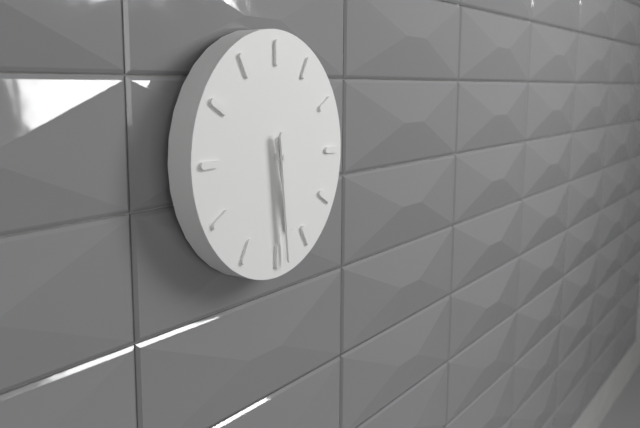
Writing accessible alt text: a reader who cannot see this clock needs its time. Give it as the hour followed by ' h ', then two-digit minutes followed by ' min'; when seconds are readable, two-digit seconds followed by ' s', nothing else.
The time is 5 h 29 min
